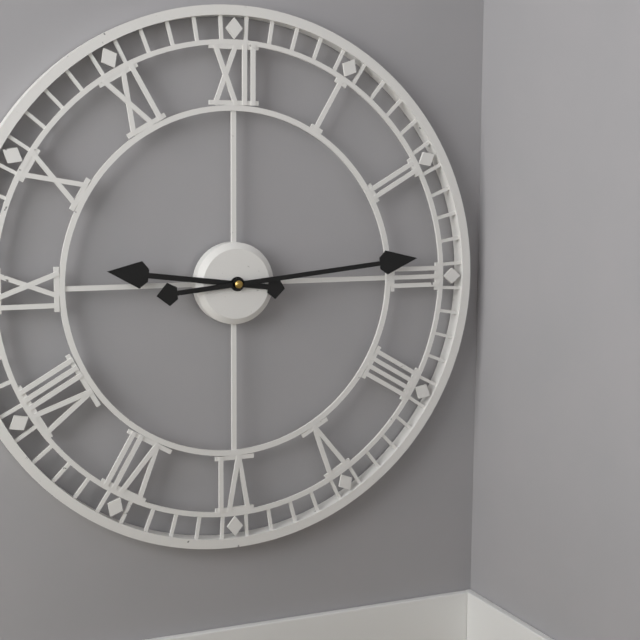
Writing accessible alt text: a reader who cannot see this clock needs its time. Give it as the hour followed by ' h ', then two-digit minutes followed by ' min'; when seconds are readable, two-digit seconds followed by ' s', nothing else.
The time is 9 h 14 min
